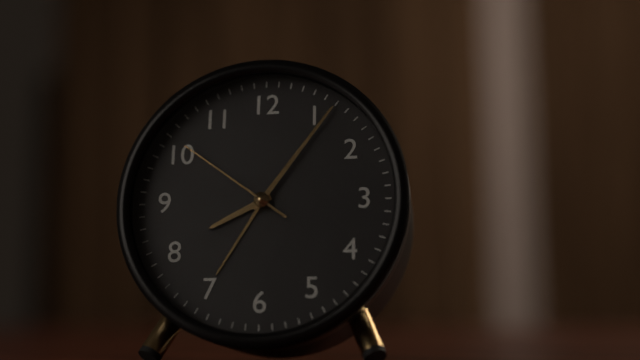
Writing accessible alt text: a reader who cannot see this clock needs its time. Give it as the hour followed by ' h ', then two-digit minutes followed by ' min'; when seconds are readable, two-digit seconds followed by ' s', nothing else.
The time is 8 h 06 min 51 s
